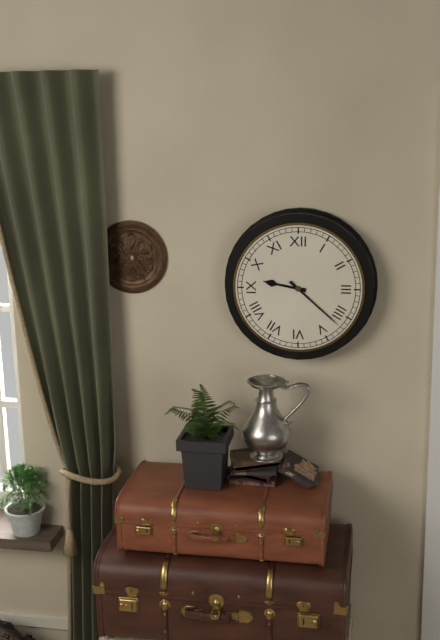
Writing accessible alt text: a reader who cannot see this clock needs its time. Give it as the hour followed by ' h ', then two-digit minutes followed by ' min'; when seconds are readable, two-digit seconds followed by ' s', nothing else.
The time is 9 h 22 min
